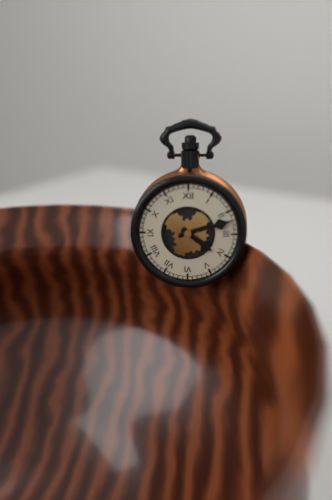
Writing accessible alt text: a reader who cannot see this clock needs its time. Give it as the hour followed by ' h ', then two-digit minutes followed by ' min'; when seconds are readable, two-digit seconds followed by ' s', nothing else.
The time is 4 h 12 min
